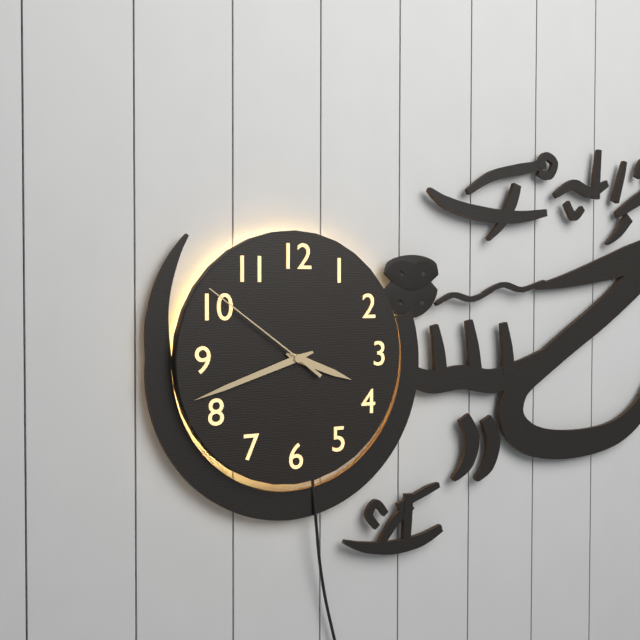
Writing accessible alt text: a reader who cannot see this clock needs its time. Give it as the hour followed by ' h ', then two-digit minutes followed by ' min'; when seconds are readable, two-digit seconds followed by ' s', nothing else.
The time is 3 h 42 min 51 s
